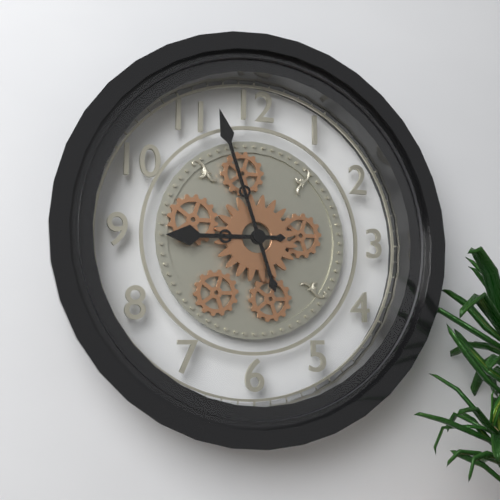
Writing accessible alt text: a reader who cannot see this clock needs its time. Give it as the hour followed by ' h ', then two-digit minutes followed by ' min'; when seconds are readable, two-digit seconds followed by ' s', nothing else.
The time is 8 h 57 min
